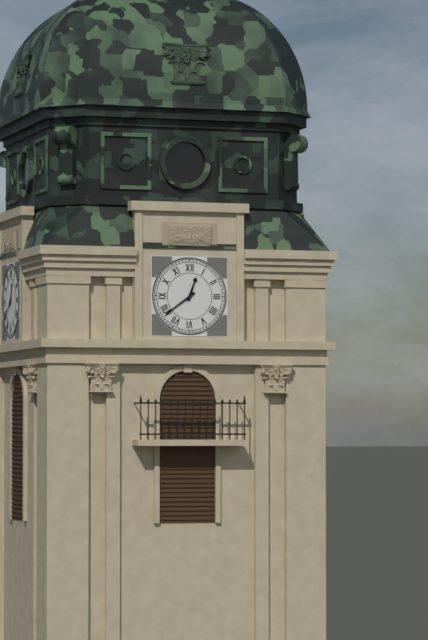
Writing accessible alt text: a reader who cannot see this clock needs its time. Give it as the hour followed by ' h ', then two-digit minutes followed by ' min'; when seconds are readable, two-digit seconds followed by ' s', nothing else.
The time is 12 h 39 min
